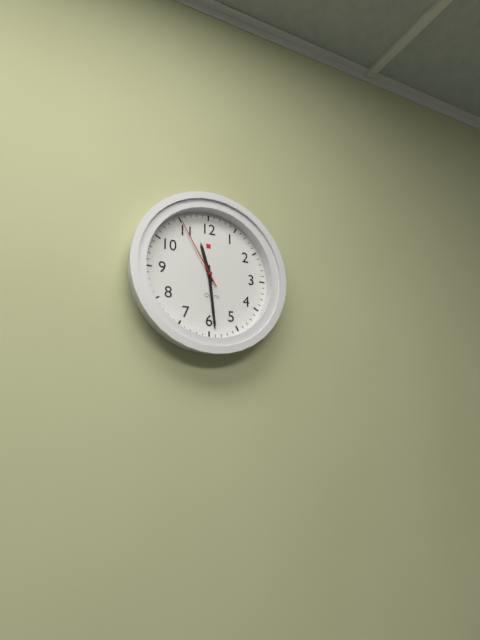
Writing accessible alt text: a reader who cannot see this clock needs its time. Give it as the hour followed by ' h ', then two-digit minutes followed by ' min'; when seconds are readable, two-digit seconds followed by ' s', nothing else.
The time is 11 h 29 min 55 s
